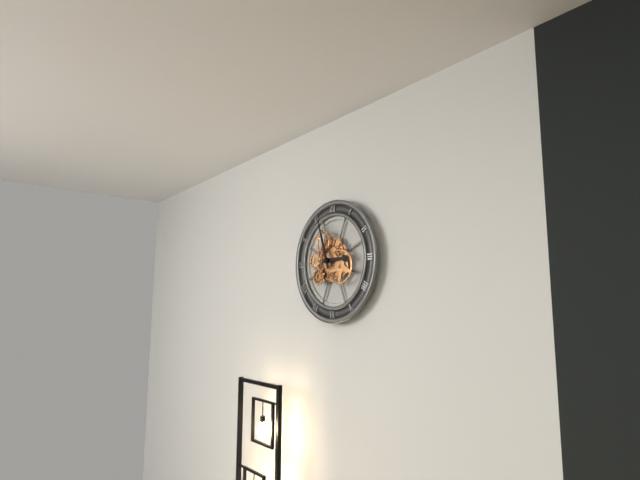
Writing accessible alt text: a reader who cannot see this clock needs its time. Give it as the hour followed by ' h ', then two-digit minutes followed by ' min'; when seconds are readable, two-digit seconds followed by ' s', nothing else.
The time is 2 h 57 min
